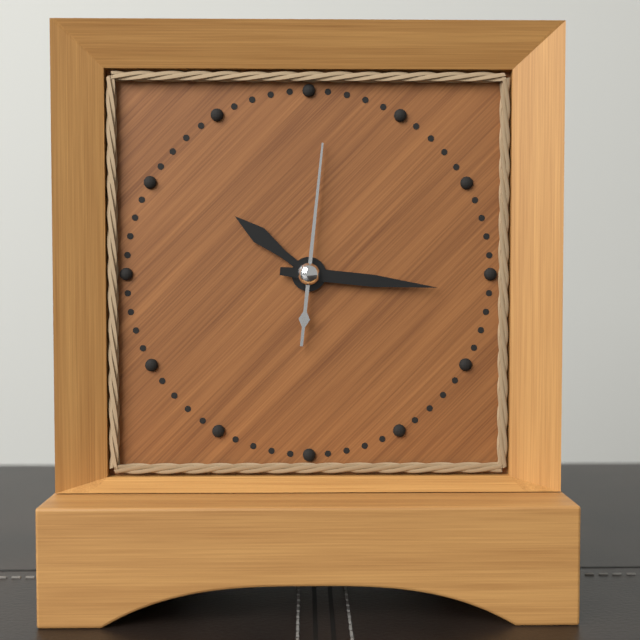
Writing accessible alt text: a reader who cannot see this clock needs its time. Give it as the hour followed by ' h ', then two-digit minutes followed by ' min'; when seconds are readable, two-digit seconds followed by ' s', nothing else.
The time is 10 h 16 min 01 s
